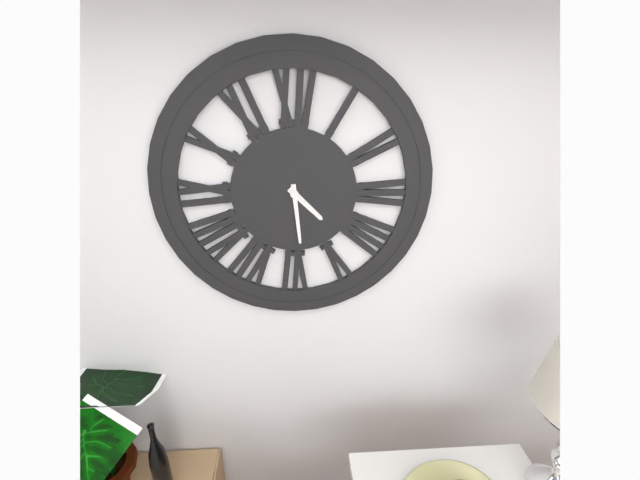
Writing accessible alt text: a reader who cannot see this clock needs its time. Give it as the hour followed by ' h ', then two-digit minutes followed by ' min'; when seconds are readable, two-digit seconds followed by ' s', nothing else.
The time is 4 h 29 min
